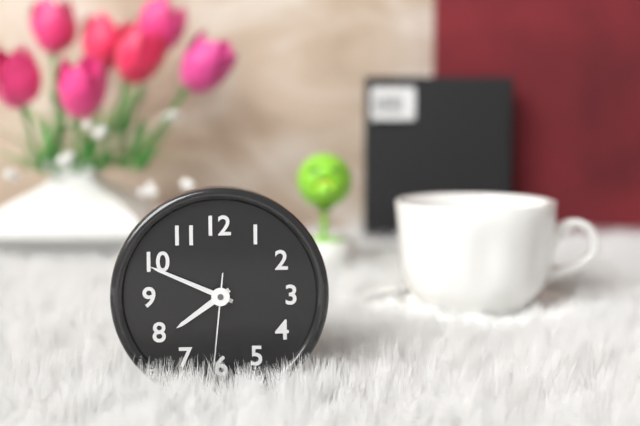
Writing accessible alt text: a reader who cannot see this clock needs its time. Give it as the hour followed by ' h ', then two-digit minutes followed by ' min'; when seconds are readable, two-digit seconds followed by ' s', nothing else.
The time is 7 h 49 min 31 s
